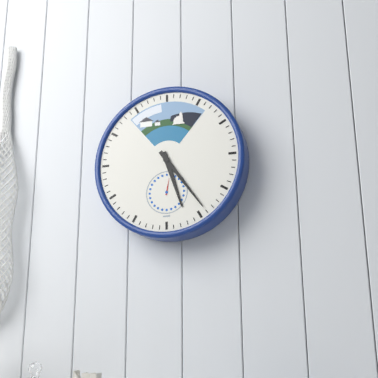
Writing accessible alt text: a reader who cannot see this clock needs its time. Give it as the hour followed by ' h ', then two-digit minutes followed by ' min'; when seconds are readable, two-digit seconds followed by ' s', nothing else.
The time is 5 h 24 min
